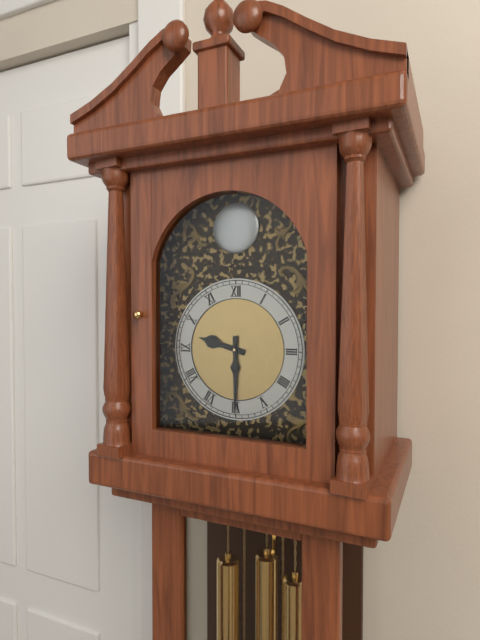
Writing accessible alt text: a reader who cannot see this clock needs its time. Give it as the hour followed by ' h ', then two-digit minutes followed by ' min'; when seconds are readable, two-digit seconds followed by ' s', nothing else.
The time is 9 h 30 min
